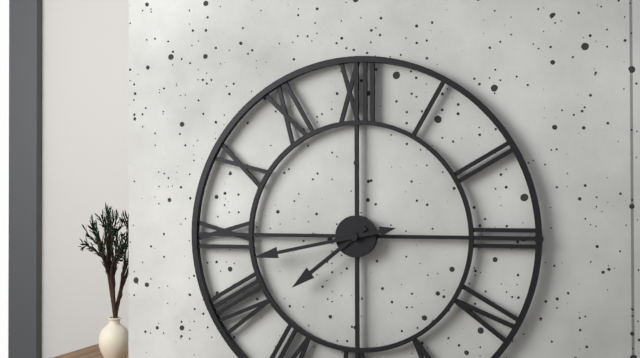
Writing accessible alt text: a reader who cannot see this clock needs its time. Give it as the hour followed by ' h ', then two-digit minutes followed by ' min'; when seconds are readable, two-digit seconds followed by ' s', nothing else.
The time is 7 h 43 min
